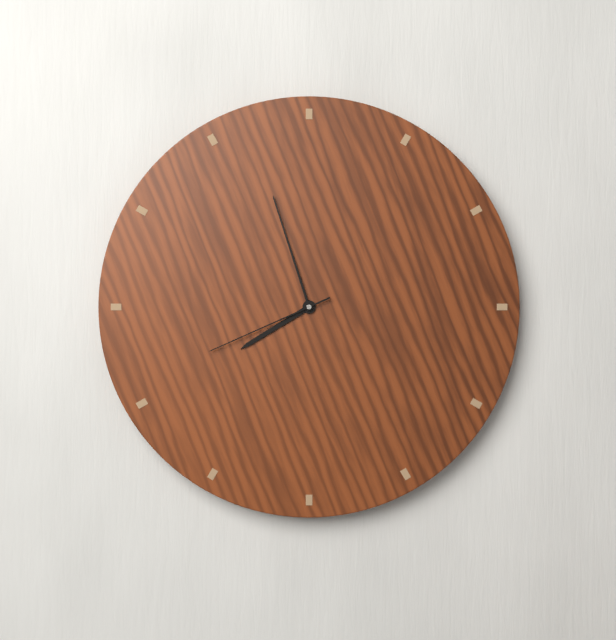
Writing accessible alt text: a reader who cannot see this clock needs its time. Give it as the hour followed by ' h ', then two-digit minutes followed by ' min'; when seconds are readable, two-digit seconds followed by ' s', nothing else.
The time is 7 h 57 min 41 s
